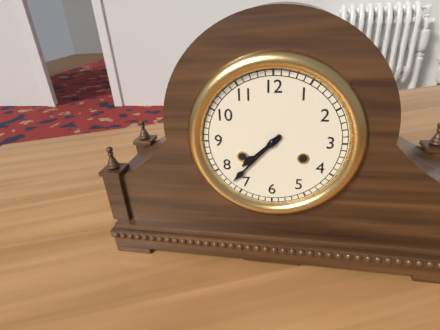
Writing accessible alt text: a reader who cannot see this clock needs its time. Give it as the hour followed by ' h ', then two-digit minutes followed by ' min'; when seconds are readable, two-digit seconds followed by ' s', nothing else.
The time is 7 h 37 min
